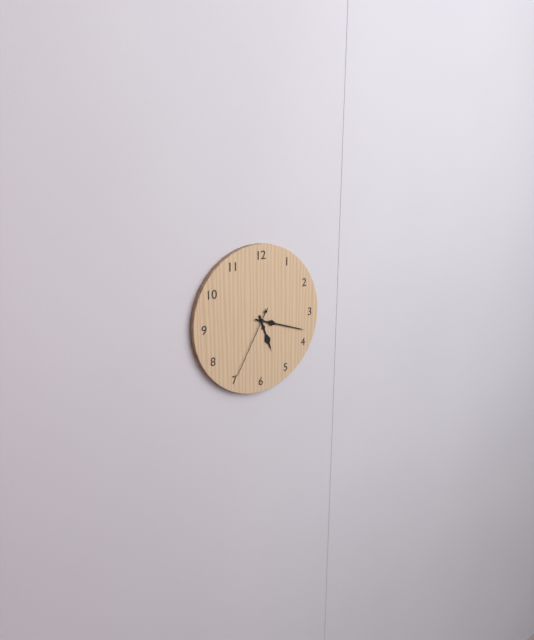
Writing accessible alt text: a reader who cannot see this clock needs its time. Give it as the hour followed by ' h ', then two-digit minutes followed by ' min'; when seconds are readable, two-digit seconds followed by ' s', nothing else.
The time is 5 h 18 min 35 s
